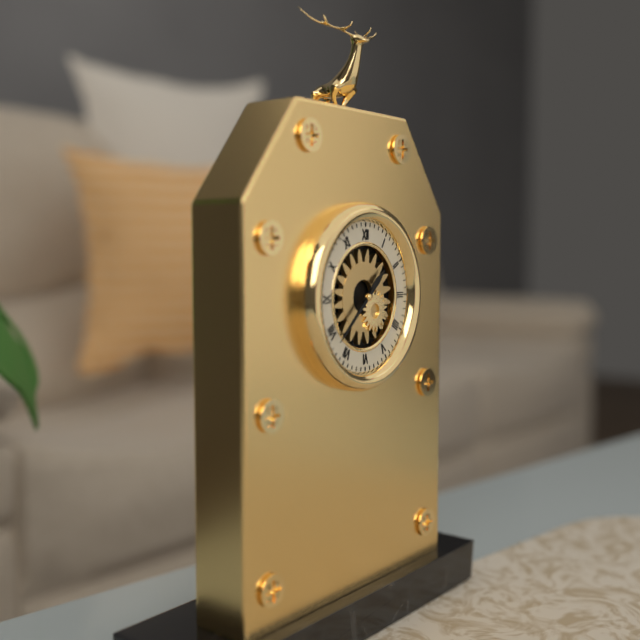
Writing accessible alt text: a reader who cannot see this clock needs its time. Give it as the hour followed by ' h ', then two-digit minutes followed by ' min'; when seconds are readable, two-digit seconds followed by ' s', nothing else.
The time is 1 h 38 min
